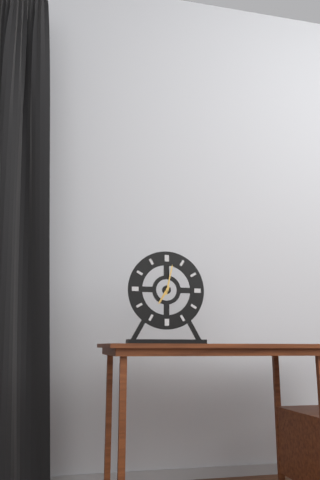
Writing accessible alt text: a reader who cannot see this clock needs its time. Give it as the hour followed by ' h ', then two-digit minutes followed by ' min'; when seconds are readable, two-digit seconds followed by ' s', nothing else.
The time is 7 h 02 min
